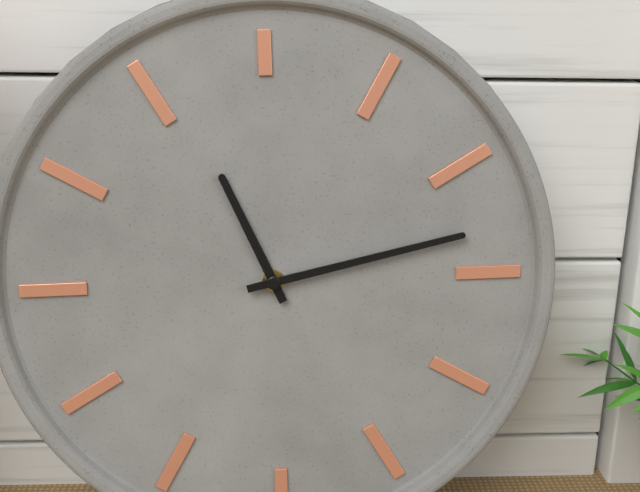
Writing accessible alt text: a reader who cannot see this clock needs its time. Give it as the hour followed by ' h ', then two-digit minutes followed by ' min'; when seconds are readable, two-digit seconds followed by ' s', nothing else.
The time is 11 h 13 min
